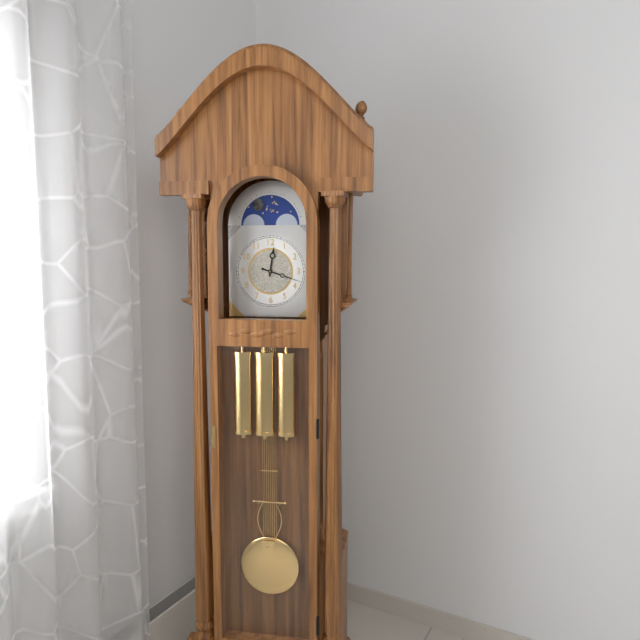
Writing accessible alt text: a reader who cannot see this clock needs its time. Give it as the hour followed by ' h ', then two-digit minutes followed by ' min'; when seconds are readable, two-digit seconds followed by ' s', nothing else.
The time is 12 h 18 min
